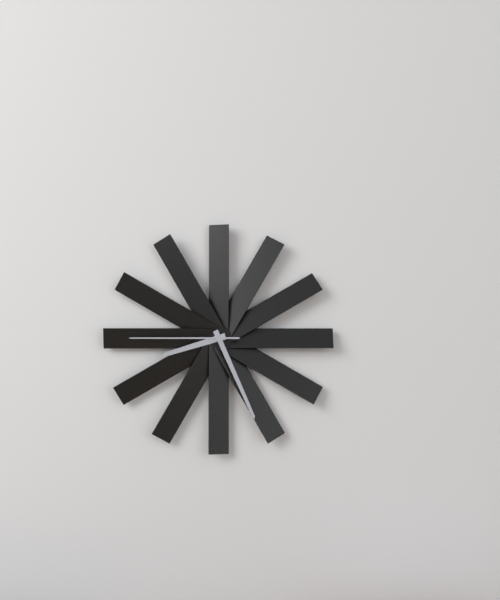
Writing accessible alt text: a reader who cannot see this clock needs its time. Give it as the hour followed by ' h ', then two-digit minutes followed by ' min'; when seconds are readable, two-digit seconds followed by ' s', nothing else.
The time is 8 h 26 min 45 s
